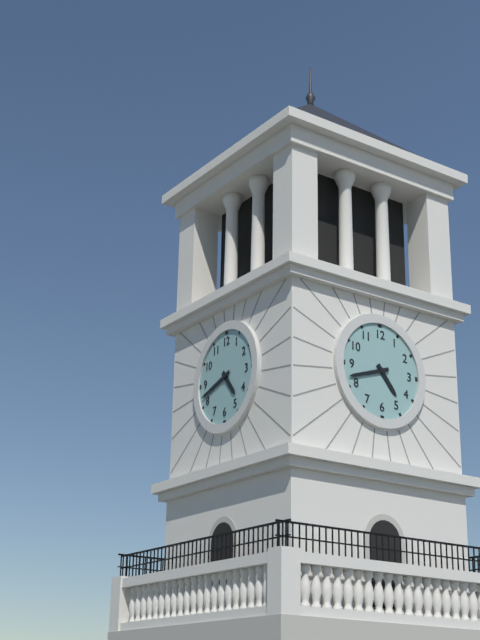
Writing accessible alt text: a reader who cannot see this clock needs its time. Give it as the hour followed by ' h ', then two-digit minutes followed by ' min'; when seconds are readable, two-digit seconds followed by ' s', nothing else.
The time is 4 h 42 min
